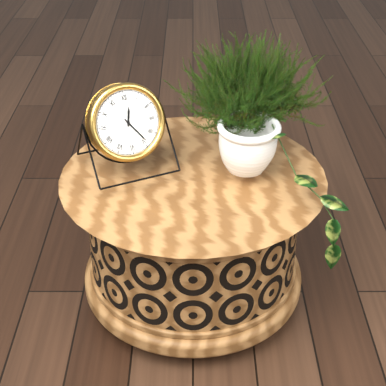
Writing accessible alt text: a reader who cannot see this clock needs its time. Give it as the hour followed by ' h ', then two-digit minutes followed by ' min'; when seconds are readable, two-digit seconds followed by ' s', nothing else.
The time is 12 h 24 min
